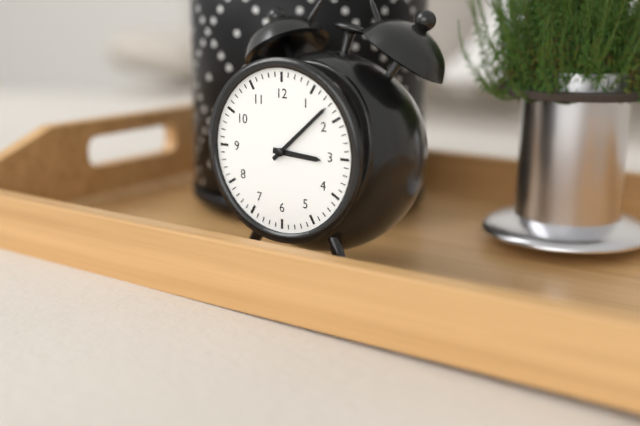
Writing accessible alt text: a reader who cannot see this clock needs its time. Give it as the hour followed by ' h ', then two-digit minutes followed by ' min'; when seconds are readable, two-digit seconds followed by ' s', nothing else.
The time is 3 h 08 min
